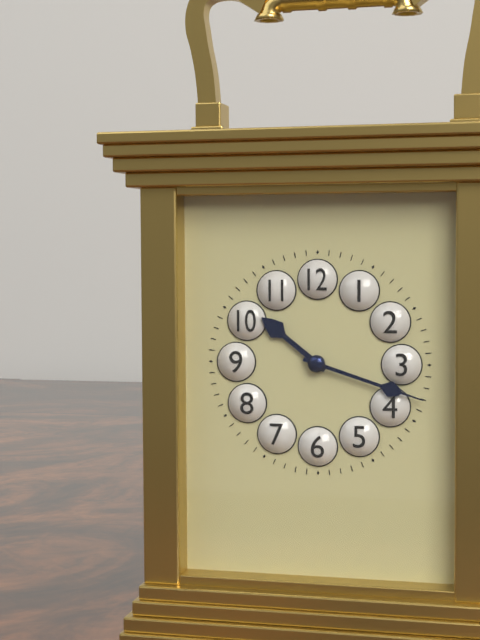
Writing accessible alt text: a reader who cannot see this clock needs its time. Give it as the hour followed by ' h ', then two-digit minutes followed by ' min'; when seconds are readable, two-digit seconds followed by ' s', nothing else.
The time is 10 h 18 min
